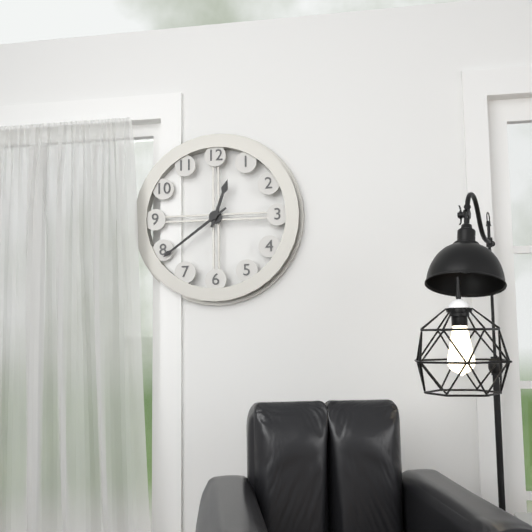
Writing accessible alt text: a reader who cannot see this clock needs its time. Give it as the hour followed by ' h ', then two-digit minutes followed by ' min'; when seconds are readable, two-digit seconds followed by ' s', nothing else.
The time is 12 h 39 min
